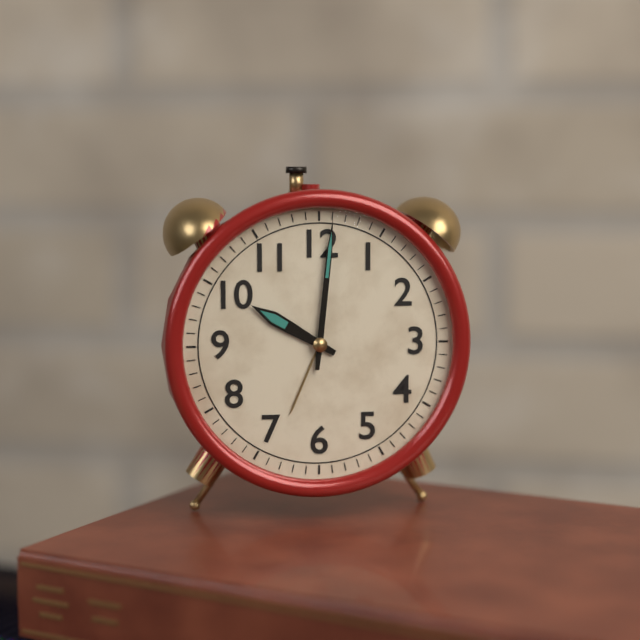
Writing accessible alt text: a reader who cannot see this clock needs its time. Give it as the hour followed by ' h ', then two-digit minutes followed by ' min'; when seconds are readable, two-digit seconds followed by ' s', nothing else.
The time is 10 h 01 min
